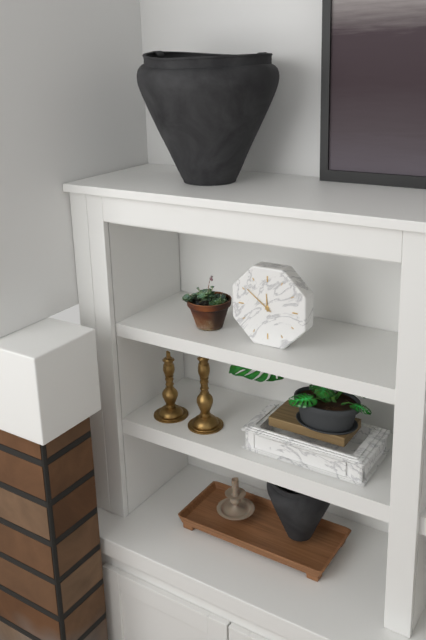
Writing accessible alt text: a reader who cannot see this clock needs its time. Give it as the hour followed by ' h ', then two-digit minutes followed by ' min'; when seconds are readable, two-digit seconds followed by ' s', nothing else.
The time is 11 h 51 min
